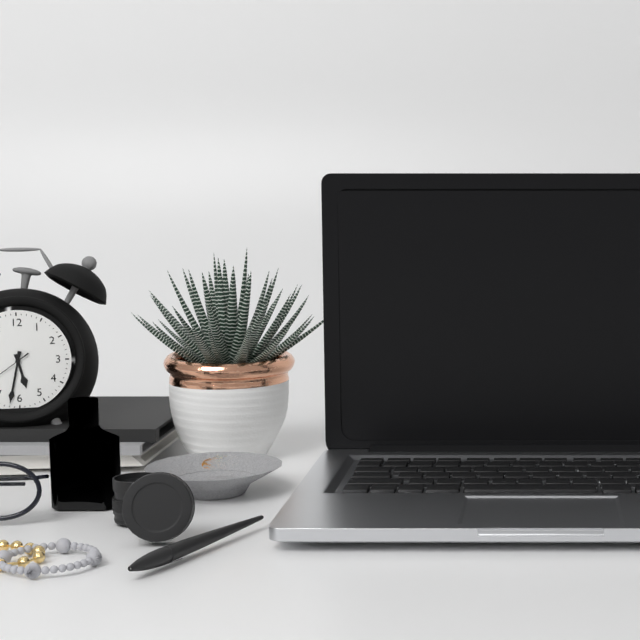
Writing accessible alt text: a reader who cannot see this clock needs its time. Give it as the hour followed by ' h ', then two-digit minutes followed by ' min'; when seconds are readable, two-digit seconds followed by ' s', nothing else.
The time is 5 h 32 min
